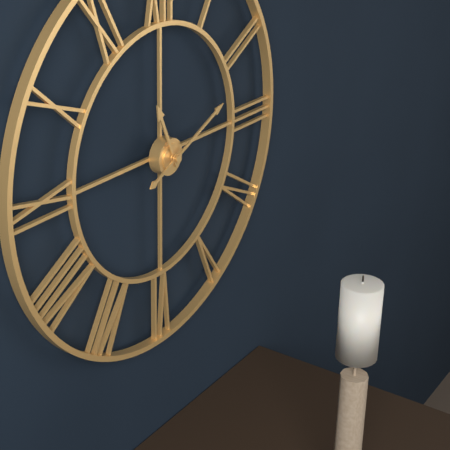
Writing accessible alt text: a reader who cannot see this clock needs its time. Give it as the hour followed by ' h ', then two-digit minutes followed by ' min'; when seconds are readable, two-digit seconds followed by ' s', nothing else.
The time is 11 h 11 min
